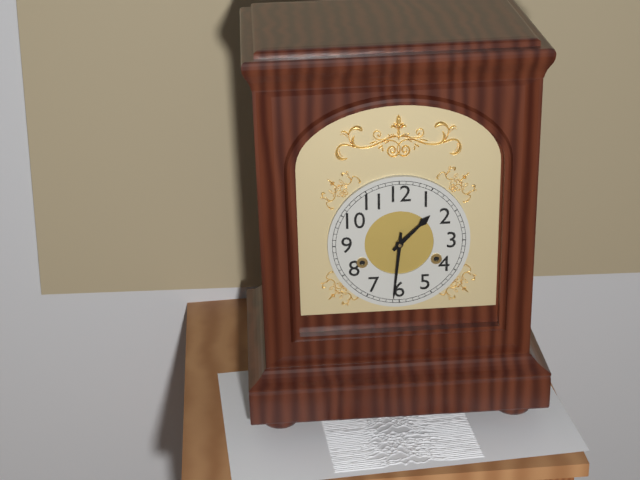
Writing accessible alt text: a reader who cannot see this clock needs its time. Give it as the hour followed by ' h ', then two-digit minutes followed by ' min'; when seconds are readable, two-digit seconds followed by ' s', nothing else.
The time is 1 h 31 min
